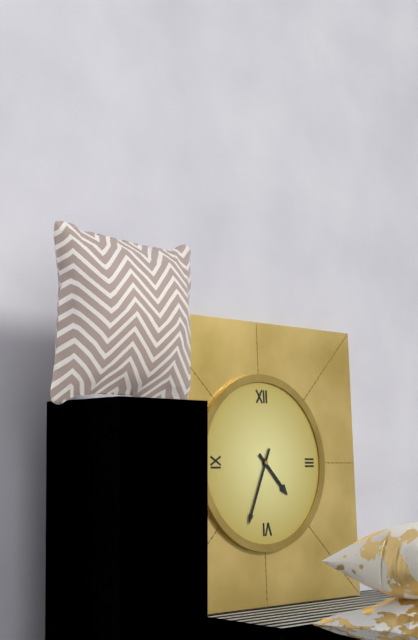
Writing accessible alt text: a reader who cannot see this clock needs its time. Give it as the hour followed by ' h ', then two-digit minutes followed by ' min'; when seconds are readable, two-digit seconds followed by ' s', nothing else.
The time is 4 h 34 min
